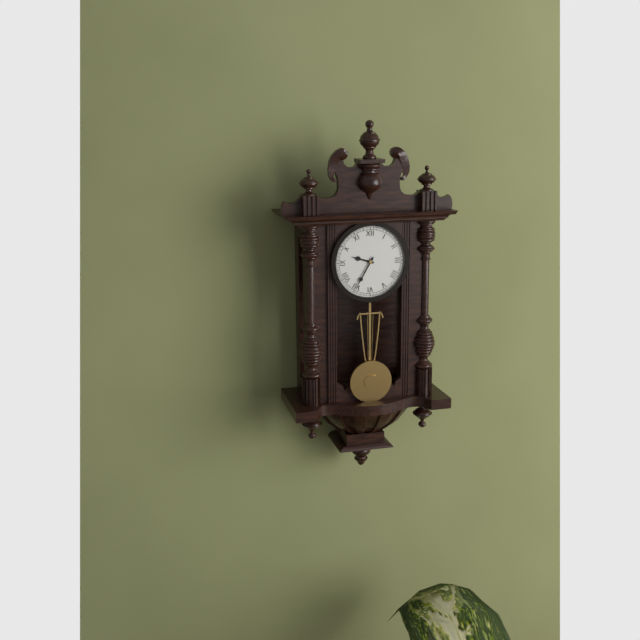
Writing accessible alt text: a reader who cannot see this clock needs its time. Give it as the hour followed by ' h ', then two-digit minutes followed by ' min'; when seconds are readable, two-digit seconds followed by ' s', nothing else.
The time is 9 h 35 min
